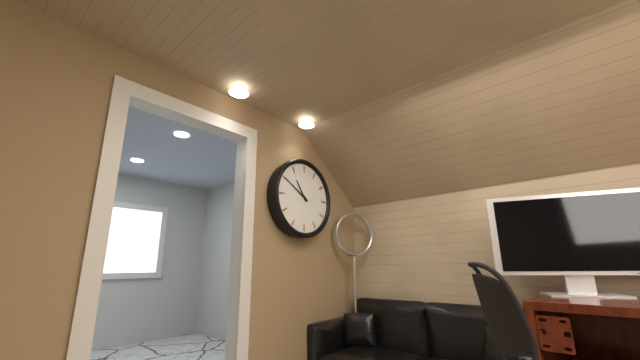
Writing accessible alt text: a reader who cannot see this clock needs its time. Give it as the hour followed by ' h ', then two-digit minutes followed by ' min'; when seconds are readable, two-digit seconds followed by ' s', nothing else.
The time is 10 h 50 min
